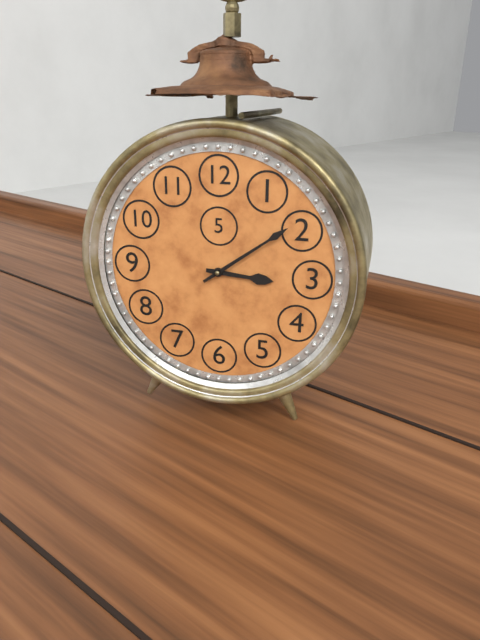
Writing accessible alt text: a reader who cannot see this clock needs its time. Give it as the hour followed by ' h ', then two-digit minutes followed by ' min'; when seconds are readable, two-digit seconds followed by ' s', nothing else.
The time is 3 h 09 min
